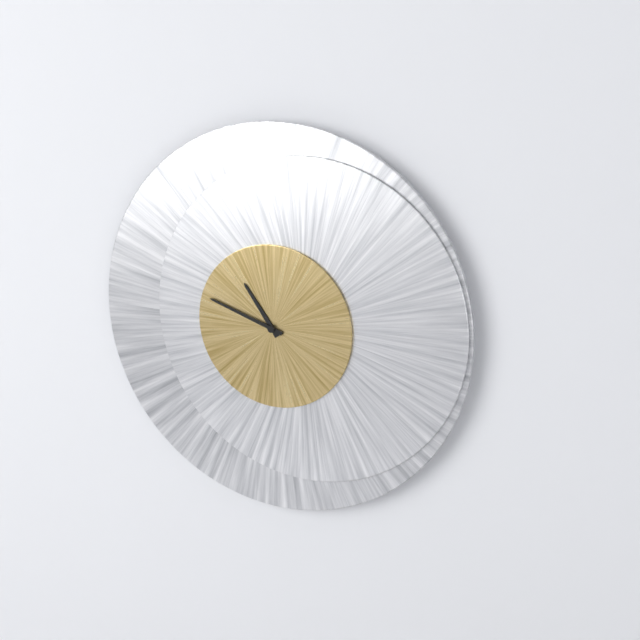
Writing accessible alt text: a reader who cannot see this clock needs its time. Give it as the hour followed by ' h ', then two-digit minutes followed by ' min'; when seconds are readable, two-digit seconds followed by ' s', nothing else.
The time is 10 h 48 min
